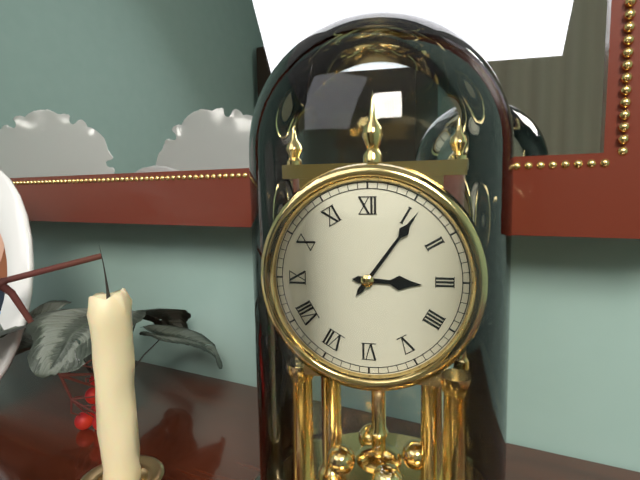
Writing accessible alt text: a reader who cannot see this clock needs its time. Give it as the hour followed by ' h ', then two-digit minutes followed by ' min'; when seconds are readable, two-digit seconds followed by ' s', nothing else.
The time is 3 h 06 min
